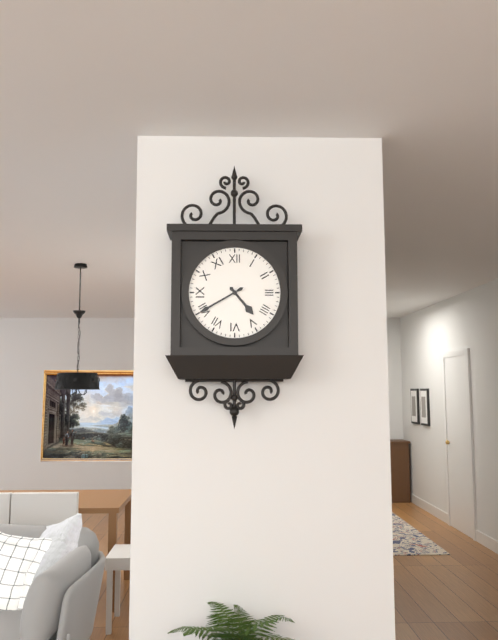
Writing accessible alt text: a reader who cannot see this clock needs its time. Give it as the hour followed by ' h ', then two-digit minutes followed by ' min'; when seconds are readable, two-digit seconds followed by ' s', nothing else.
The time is 4 h 40 min
